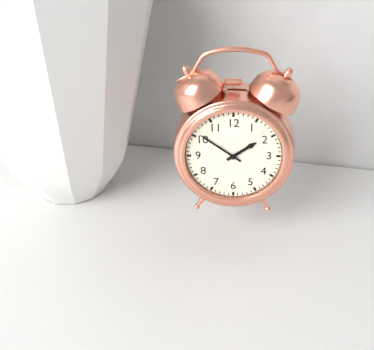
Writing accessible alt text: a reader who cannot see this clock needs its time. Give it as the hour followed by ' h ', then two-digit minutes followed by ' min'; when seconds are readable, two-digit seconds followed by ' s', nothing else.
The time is 1 h 51 min
